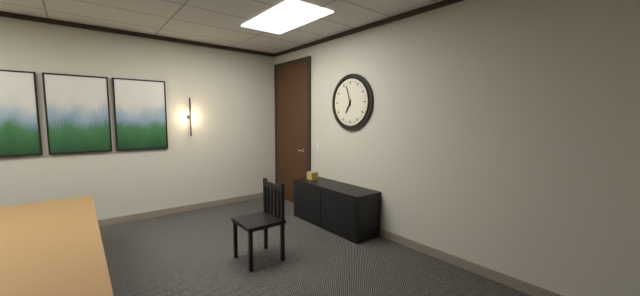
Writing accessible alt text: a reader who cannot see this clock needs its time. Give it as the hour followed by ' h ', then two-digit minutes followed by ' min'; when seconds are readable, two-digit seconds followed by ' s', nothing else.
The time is 6 h 57 min
